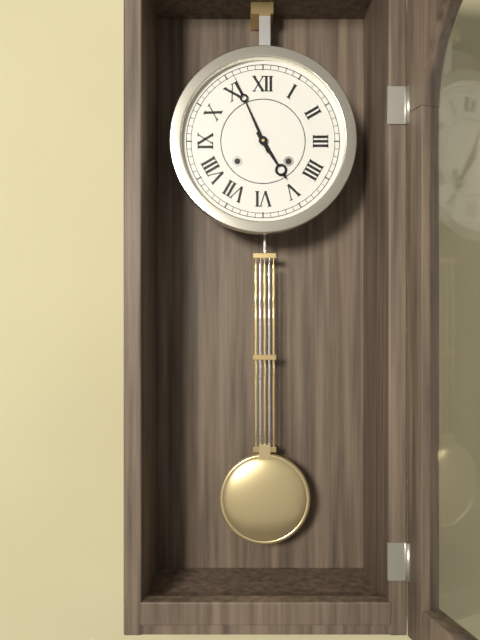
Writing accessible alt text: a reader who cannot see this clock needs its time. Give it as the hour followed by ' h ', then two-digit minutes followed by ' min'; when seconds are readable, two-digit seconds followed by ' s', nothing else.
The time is 4 h 56 min
